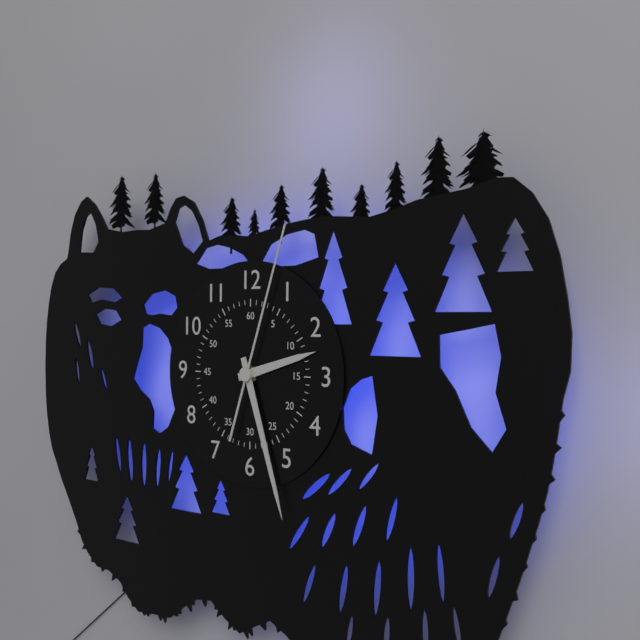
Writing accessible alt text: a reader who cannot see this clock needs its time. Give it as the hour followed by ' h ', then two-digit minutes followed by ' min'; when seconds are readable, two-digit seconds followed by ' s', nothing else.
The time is 2 h 27 min 03 s
